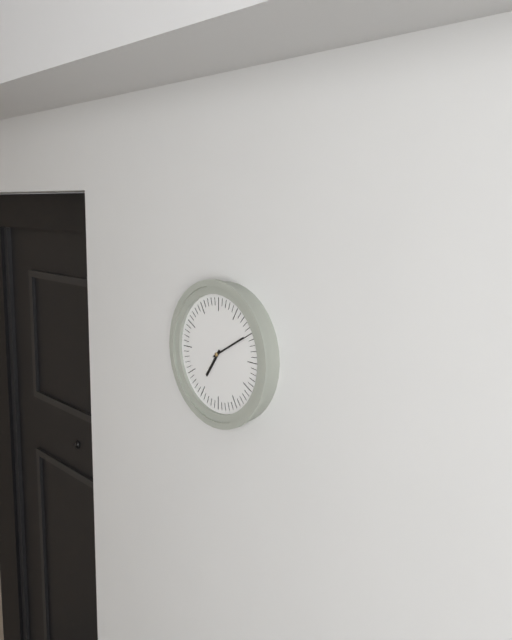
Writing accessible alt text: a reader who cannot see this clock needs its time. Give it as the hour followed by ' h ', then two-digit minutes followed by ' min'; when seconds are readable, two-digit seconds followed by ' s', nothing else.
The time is 7 h 10 min
